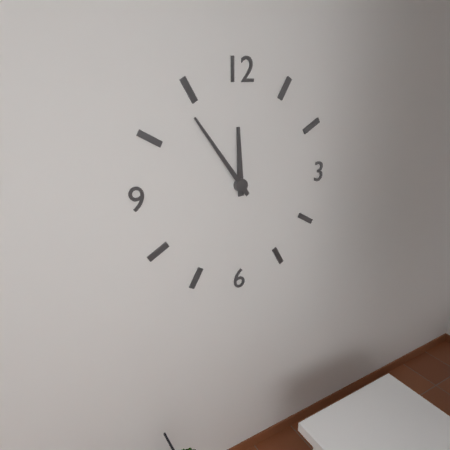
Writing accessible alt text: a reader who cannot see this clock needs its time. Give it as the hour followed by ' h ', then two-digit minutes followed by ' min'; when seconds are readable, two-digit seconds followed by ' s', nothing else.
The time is 11 h 54 min
